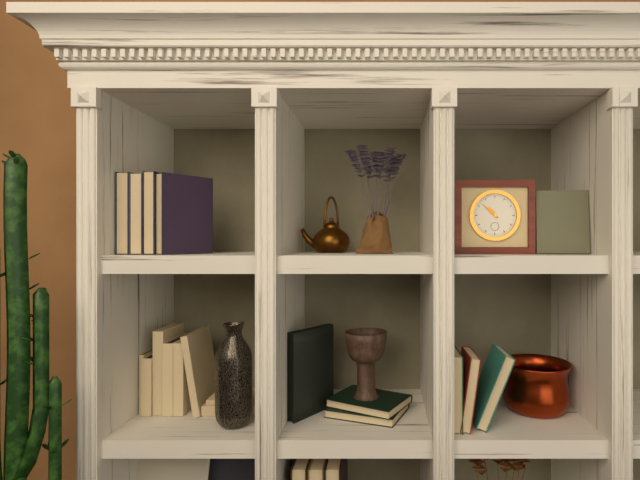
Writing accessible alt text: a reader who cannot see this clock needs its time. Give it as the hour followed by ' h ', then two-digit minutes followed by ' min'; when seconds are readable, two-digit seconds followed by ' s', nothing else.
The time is 10 h 52 min
